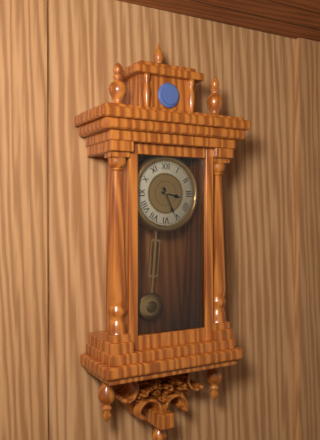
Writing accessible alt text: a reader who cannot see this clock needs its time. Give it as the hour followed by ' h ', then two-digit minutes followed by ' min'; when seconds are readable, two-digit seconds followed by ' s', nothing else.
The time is 3 h 26 min
